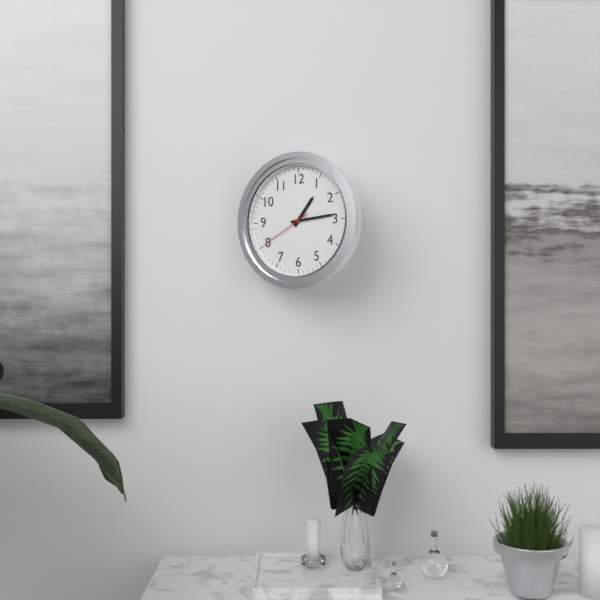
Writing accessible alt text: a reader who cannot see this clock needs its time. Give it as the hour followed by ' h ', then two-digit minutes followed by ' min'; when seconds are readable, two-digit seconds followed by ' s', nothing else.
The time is 1 h 14 min 40 s
